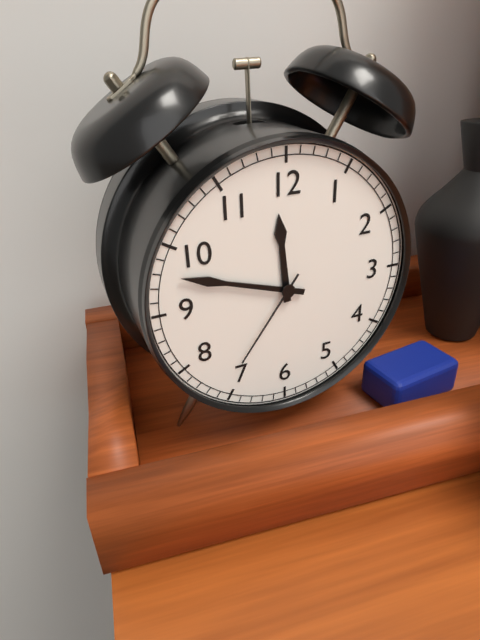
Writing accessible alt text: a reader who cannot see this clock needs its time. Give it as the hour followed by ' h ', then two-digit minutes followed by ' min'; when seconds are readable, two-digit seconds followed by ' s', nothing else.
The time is 11 h 48 min 36 s
